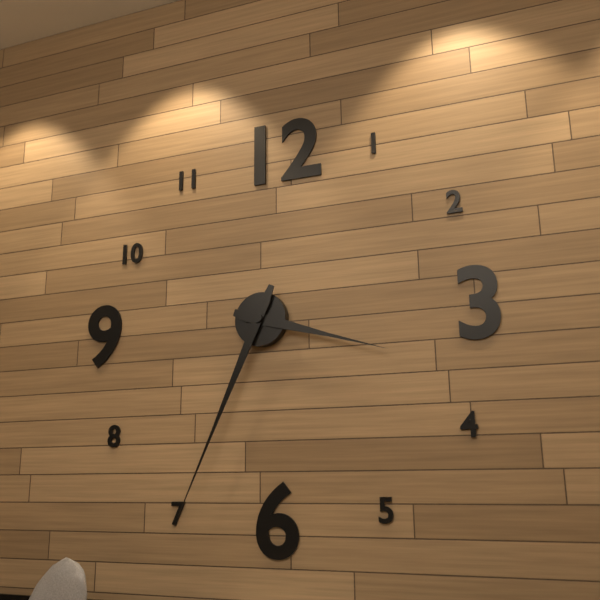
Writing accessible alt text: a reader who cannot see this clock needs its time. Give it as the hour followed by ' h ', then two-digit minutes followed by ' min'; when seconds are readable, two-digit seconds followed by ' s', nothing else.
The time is 3 h 34 min
